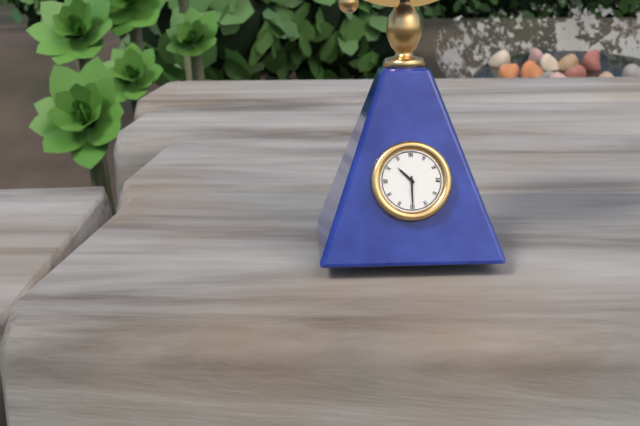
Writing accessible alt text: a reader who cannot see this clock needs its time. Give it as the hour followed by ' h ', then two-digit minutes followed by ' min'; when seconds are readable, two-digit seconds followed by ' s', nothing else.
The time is 10 h 30 min
